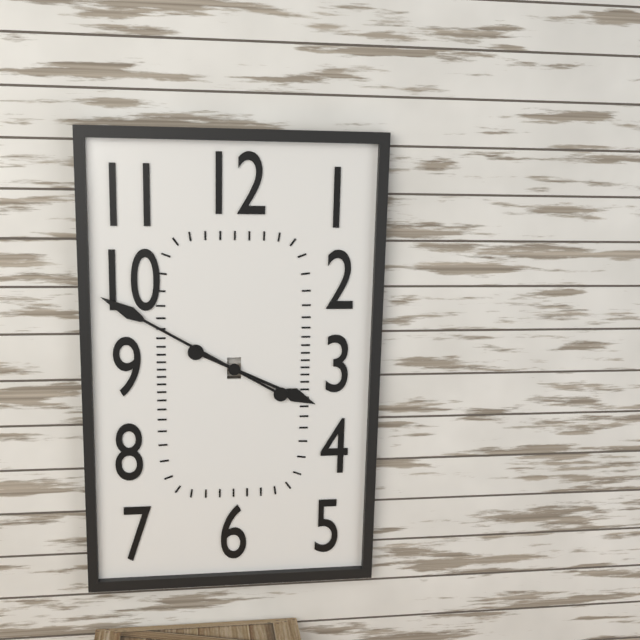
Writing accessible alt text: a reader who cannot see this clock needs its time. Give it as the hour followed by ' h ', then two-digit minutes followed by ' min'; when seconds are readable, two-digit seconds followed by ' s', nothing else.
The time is 3 h 50 min
